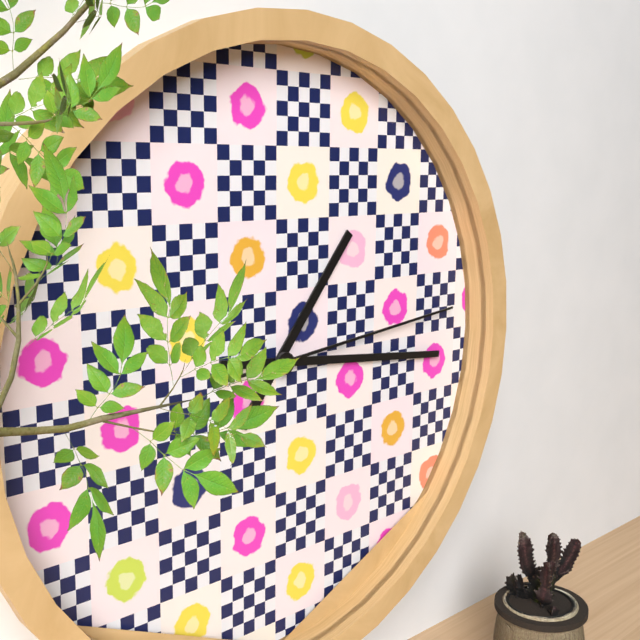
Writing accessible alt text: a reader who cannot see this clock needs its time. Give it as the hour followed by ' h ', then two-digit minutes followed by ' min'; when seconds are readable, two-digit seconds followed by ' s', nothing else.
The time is 1 h 16 min 14 s
